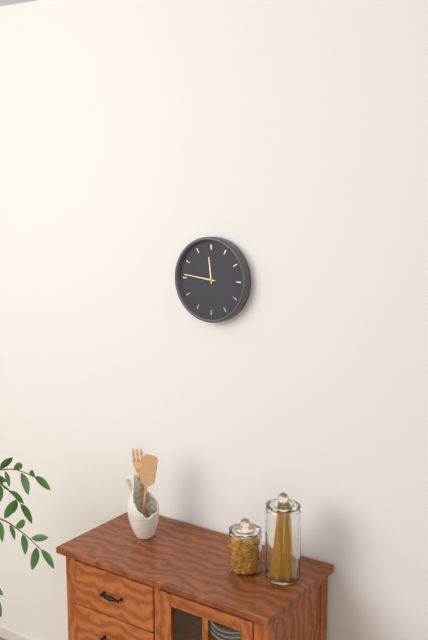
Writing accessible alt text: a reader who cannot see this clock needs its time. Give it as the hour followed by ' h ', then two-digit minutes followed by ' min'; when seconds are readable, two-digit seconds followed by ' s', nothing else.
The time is 11 h 46 min
